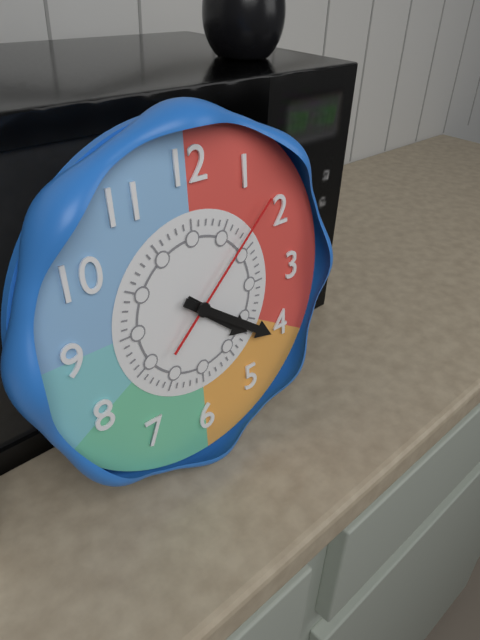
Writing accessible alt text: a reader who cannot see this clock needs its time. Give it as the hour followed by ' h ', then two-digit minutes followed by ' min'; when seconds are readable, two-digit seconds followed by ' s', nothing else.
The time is 4 h 21 min 08 s
